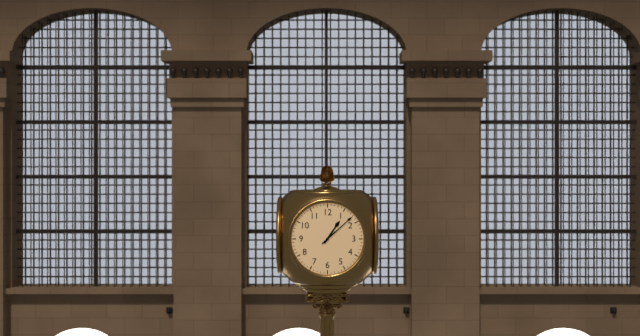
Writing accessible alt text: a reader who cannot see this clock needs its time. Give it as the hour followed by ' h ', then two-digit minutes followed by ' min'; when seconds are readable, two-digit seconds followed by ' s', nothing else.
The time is 1 h 08 min
